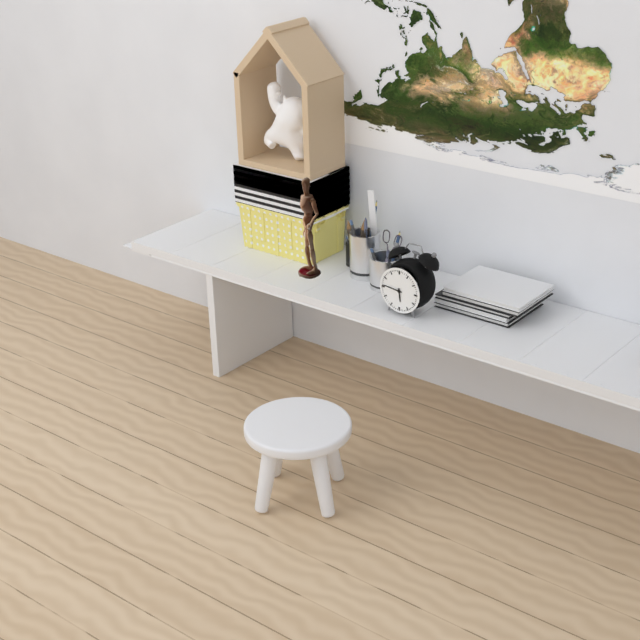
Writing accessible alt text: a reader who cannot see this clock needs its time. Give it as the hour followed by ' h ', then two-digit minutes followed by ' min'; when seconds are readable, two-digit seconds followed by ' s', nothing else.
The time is 5 h 46 min
